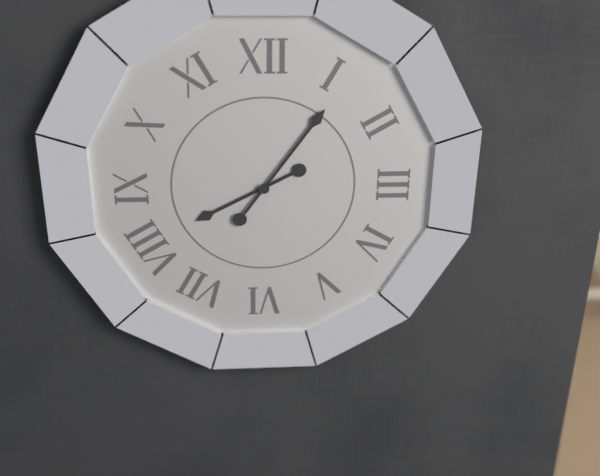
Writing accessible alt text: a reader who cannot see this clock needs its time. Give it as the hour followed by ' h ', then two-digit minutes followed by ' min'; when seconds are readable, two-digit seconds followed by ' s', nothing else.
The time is 8 h 06 min
